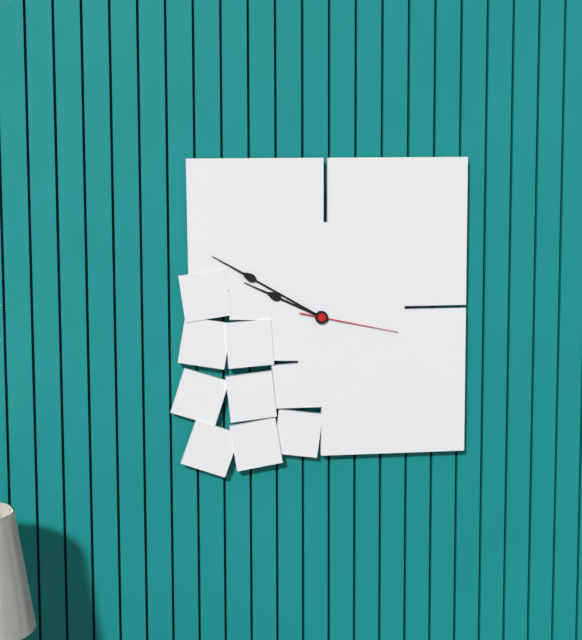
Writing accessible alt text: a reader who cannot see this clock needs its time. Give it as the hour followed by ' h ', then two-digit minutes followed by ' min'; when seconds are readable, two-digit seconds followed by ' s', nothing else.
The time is 9 h 50 min 17 s
